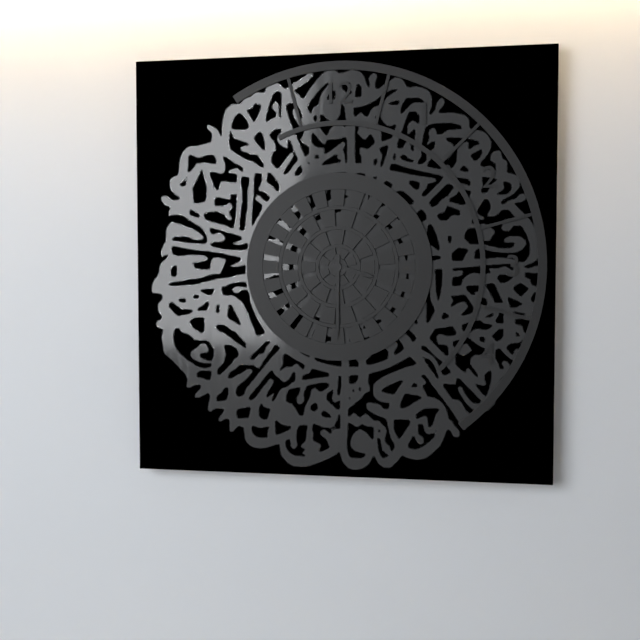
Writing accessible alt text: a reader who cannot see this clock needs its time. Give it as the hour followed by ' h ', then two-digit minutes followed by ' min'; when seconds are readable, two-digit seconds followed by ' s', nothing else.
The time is 3 h 30 min
